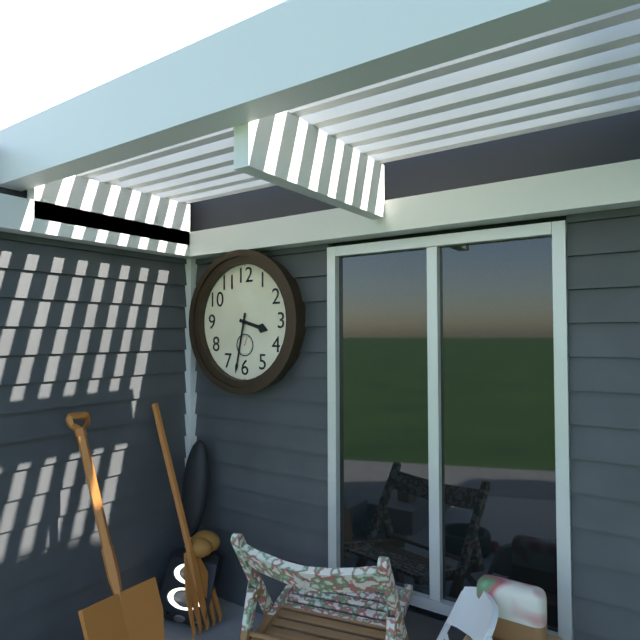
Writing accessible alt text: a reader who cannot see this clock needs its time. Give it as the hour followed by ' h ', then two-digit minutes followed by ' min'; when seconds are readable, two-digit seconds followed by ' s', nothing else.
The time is 3 h 32 min
